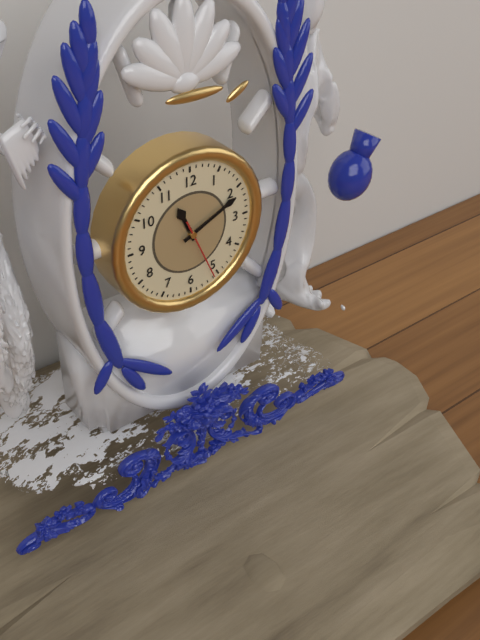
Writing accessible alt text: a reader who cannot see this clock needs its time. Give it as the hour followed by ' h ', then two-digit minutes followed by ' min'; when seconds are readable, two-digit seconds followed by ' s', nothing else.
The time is 11 h 11 min 26 s
